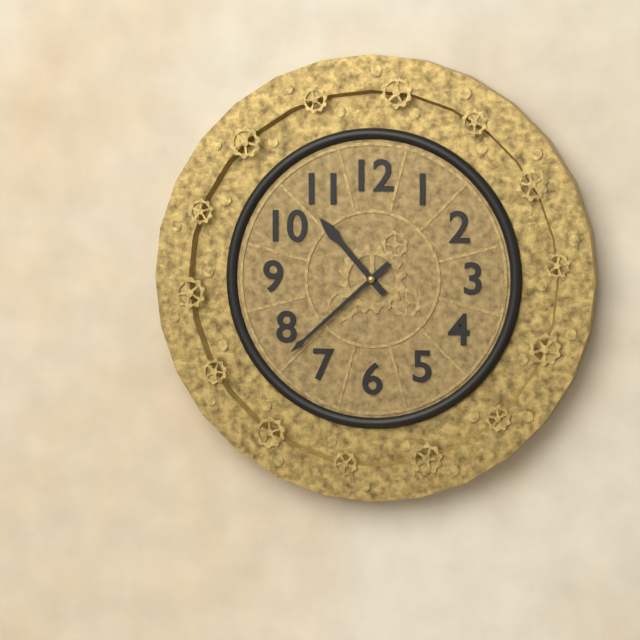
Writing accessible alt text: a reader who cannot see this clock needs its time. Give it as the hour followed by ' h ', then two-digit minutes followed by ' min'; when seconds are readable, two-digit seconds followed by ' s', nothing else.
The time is 10 h 38 min
